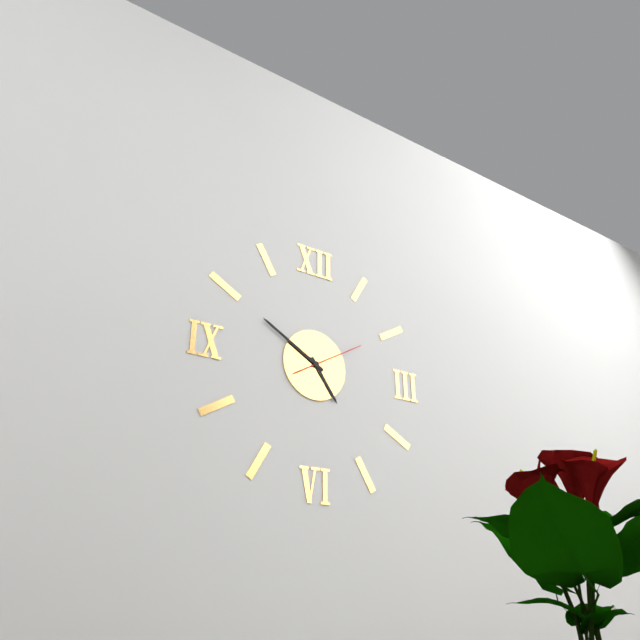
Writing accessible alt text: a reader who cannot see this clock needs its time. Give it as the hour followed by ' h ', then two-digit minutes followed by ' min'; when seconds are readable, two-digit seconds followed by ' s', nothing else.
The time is 4 h 50 min 10 s
